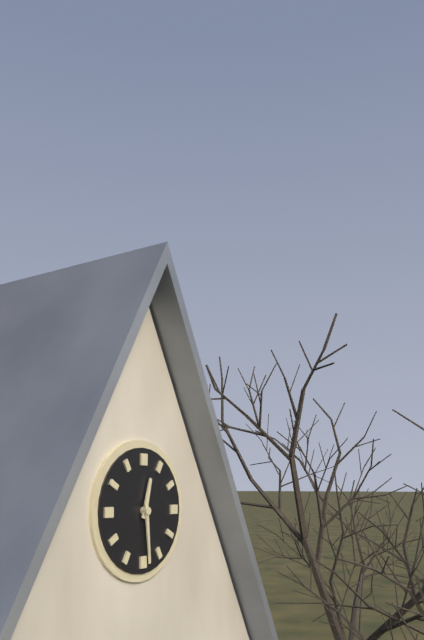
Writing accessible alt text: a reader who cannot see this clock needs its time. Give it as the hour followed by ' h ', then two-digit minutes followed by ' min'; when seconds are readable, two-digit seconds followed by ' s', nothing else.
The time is 12 h 29 min
